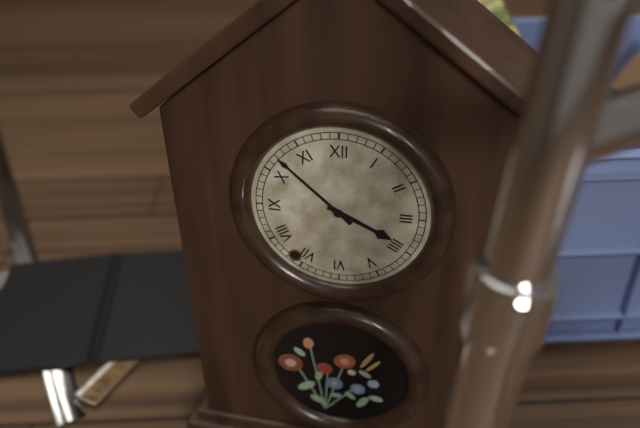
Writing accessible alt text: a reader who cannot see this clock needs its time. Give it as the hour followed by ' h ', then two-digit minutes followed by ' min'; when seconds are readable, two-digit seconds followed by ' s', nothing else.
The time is 3 h 52 min
